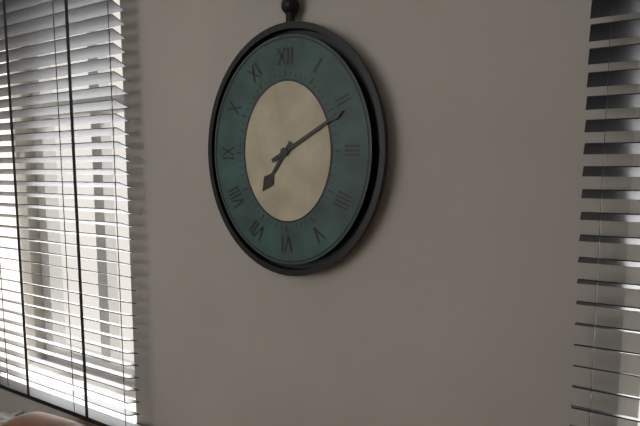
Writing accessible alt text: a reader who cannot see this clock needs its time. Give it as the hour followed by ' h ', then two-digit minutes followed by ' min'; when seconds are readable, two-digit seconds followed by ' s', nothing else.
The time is 7 h 10 min
